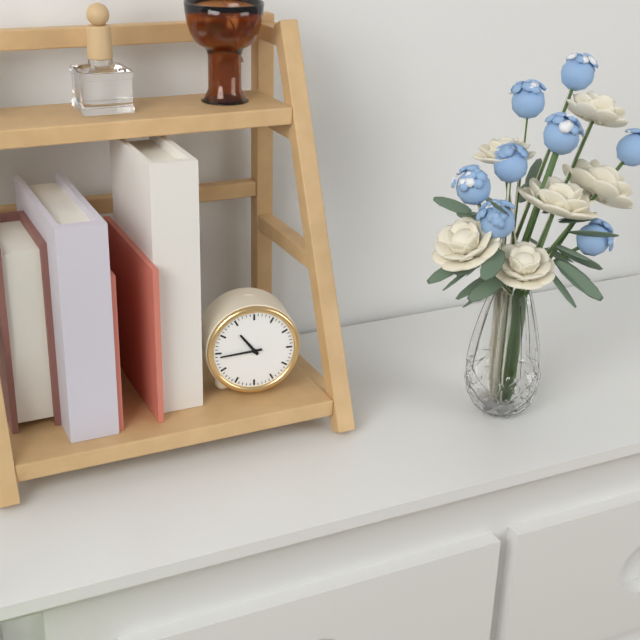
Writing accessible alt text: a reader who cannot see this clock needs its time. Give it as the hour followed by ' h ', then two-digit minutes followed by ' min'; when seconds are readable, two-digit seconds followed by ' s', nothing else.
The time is 10 h 44 min
